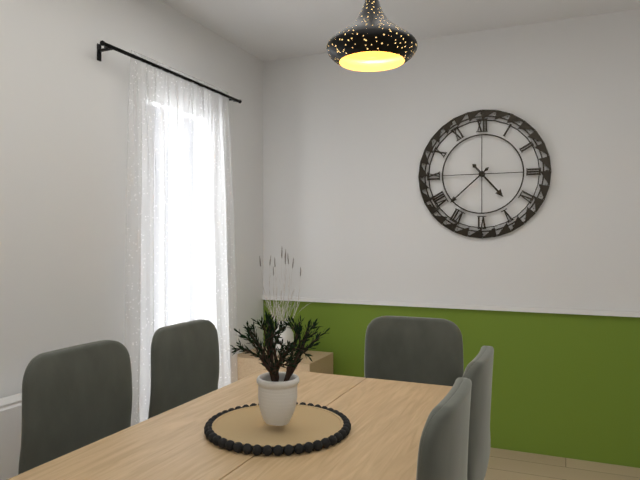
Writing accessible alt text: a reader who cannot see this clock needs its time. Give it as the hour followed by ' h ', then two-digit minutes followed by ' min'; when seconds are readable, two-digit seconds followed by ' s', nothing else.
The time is 4 h 38 min
